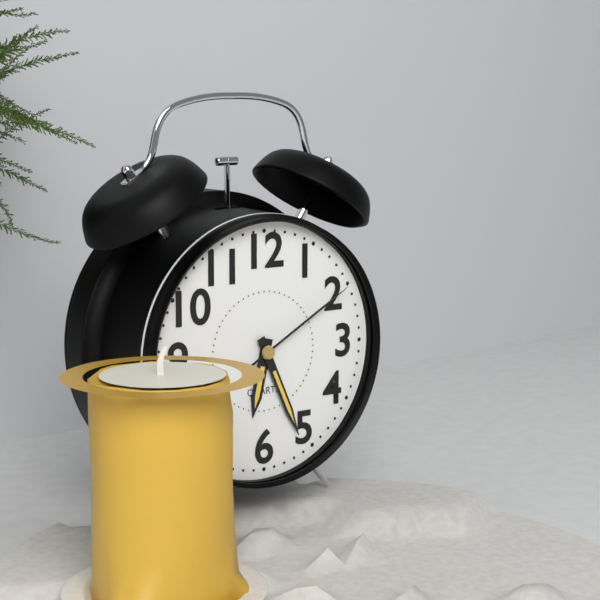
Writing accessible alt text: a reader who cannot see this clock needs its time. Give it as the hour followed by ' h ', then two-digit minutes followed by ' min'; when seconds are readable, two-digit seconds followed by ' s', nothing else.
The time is 6 h 26 min 10 s
